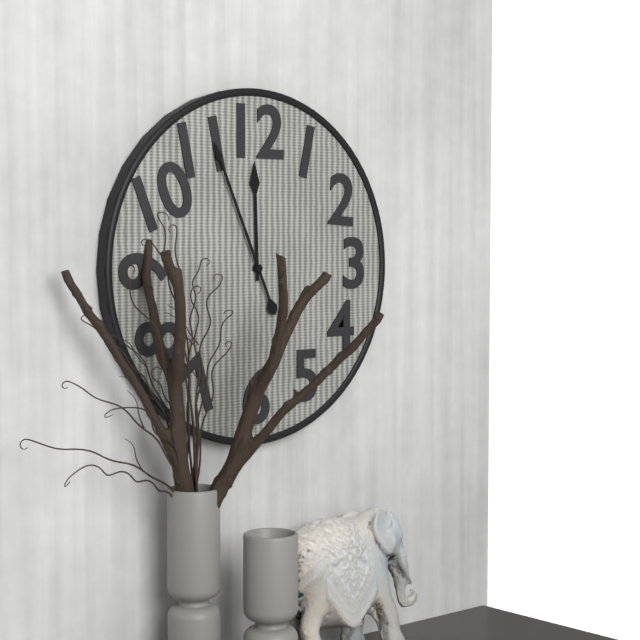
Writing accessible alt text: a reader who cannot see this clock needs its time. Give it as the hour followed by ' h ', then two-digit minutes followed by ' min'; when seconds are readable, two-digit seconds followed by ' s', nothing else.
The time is 11 h 56 min
